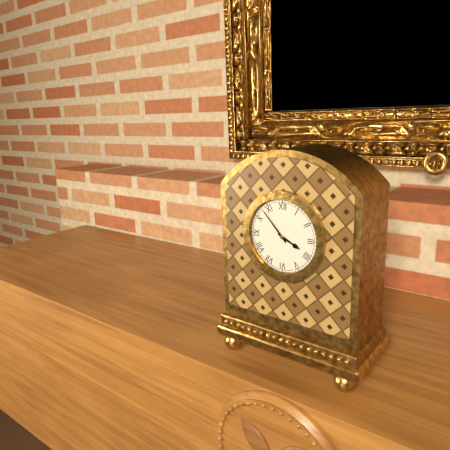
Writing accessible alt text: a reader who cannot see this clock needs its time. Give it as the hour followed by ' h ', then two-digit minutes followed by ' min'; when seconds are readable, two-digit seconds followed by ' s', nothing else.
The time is 3 h 53 min
